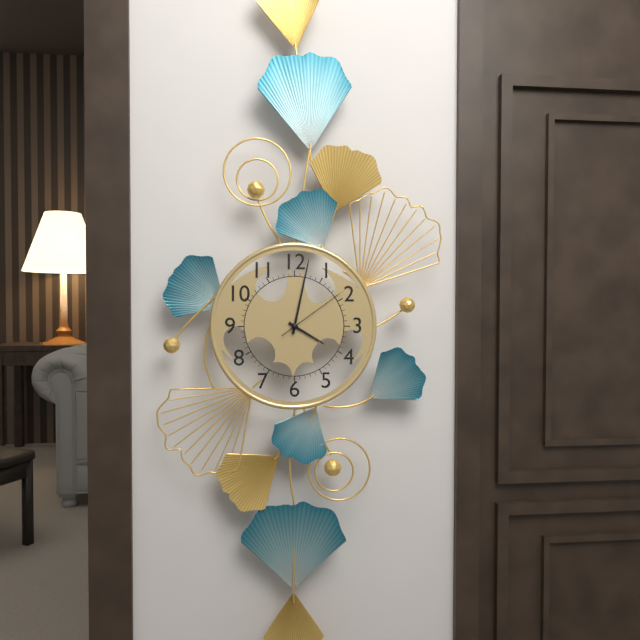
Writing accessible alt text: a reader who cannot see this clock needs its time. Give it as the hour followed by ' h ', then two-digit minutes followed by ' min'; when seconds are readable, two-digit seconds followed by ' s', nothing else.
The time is 4 h 02 min 09 s
